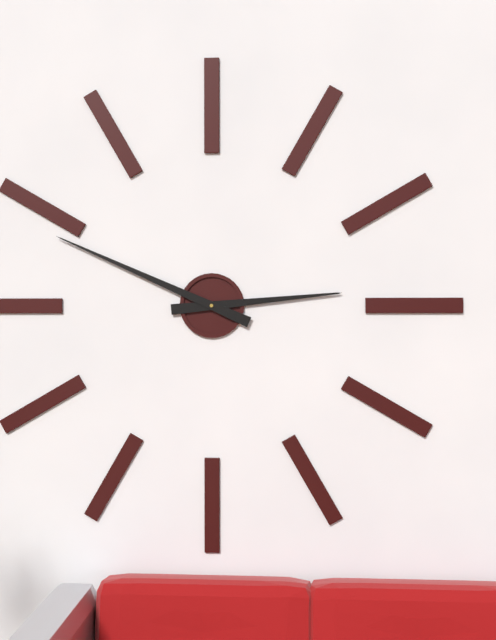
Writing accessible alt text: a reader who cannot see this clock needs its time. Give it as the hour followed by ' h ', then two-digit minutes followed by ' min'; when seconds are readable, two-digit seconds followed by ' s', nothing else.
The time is 2 h 49 min
